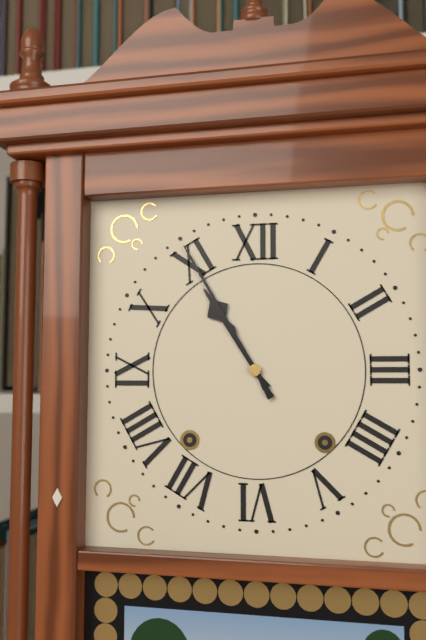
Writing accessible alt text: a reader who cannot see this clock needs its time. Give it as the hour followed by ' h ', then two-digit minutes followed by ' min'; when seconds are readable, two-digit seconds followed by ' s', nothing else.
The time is 10 h 55 min
